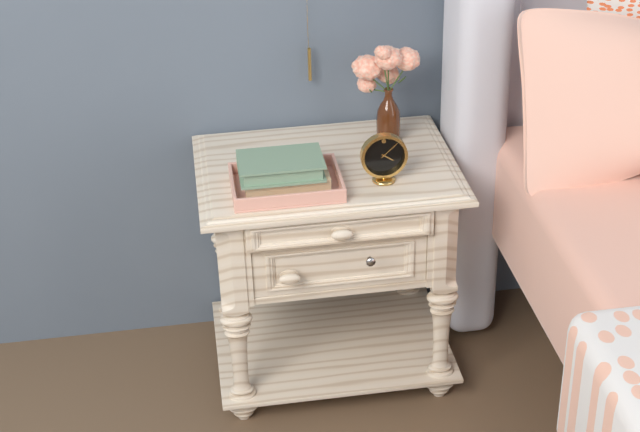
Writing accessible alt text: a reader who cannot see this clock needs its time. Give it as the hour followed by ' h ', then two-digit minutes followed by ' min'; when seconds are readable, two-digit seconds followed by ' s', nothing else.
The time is 4 h 08 min
